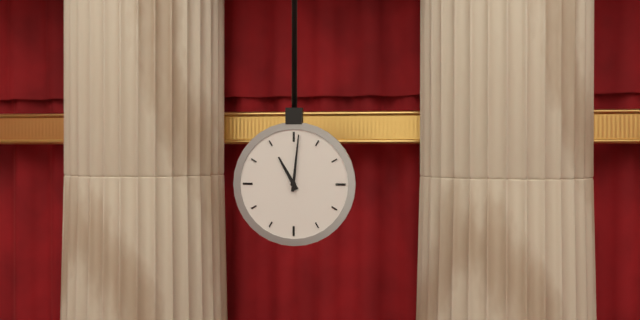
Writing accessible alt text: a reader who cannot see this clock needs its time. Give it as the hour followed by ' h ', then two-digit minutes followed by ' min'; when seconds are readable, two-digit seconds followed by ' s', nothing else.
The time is 11 h 01 min
